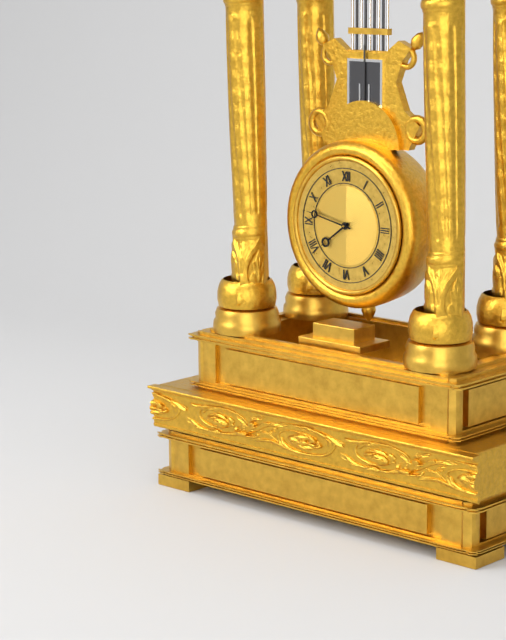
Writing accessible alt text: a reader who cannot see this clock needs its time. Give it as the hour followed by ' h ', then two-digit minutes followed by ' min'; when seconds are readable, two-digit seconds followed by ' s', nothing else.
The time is 7 h 47 min
